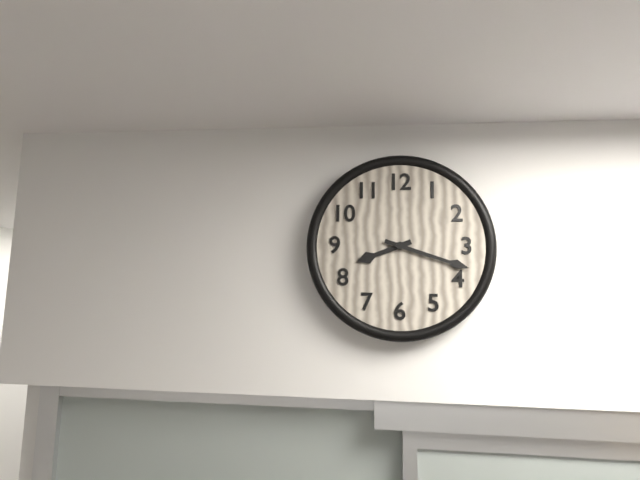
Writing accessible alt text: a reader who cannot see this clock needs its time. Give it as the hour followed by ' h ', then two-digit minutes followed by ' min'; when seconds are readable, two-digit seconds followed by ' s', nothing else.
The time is 8 h 18 min
